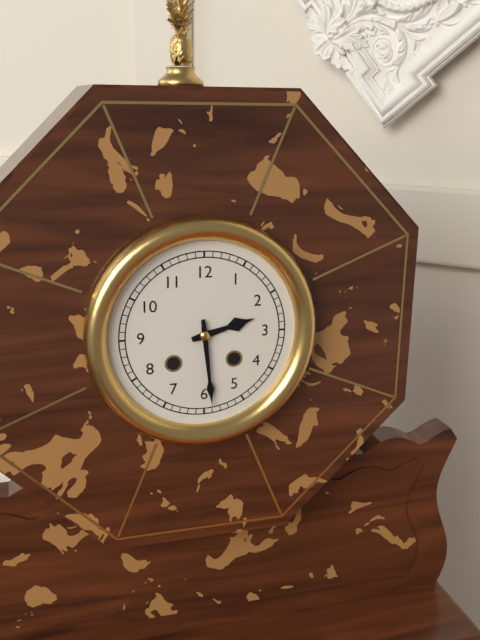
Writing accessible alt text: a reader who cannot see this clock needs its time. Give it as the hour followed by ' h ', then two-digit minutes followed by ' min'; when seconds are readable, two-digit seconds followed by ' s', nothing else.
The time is 2 h 29 min
